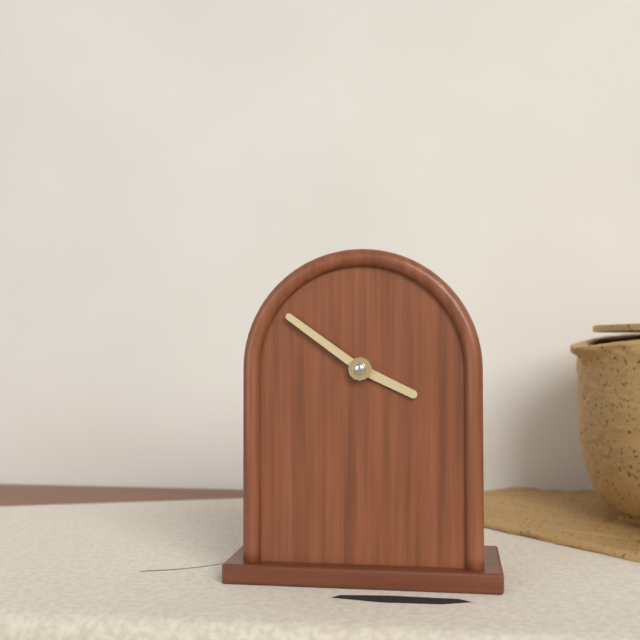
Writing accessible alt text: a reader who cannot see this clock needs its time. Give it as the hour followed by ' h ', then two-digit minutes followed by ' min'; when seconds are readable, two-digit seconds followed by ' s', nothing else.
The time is 3 h 51 min
